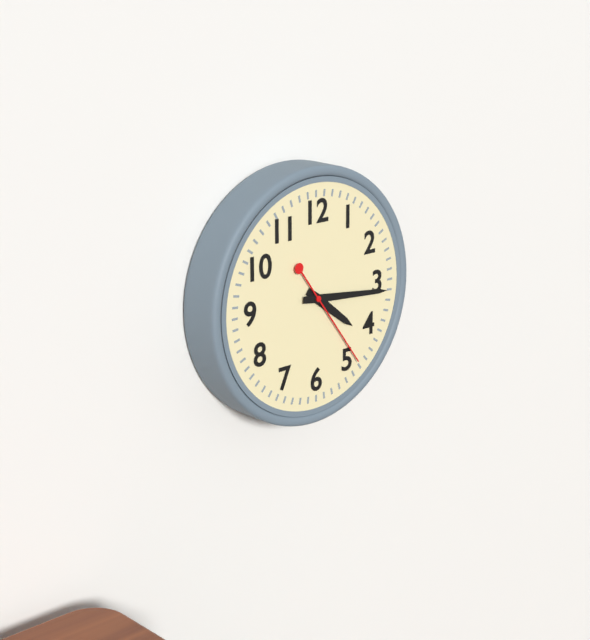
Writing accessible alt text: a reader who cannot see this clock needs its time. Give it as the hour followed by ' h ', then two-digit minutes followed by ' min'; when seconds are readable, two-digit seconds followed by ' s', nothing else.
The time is 4 h 16 min 24 s
